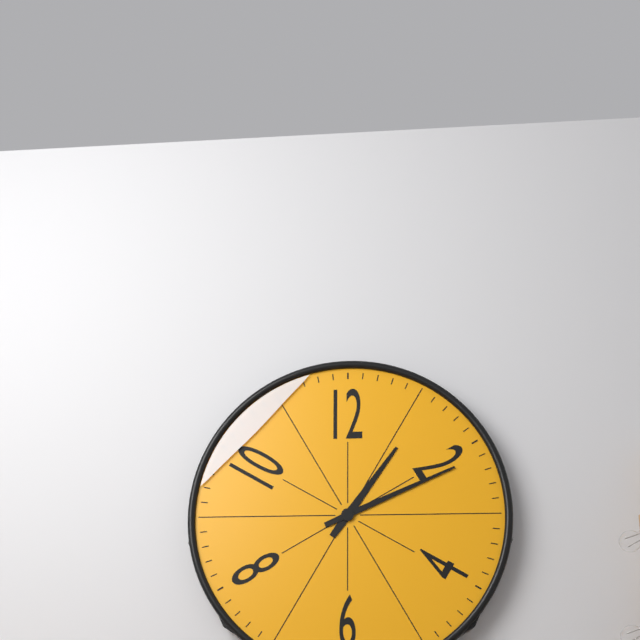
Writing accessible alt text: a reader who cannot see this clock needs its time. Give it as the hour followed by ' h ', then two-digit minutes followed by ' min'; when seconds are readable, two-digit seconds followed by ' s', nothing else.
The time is 1 h 11 min
